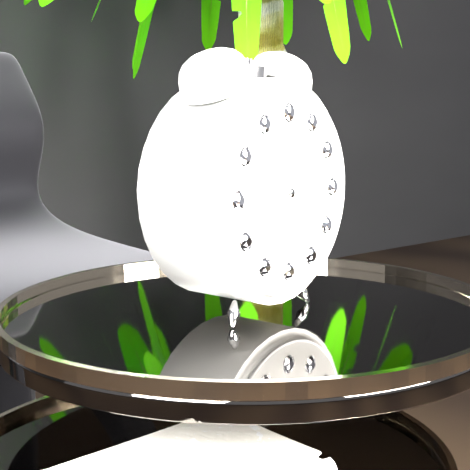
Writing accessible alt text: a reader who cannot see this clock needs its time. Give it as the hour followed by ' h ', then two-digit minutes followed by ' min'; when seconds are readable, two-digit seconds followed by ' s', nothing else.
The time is 8 h 10 min 08 s
